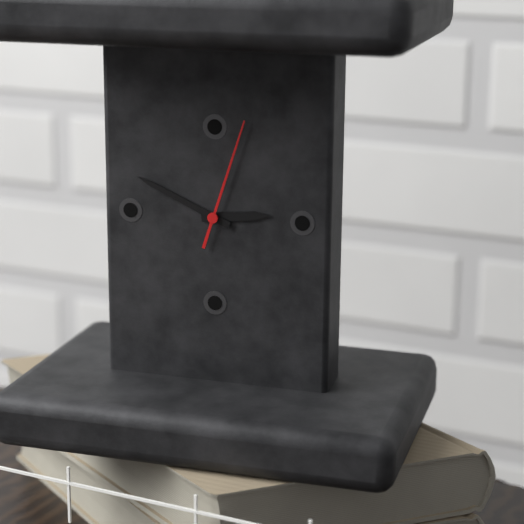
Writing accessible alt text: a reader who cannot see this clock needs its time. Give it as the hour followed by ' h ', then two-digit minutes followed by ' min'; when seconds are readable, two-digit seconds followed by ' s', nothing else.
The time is 2 h 49 min 03 s
